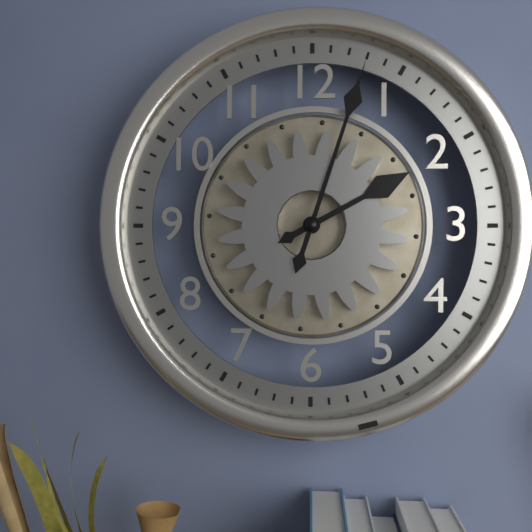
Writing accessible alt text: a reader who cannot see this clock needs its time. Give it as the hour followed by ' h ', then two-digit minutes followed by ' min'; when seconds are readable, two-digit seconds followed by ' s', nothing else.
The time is 2 h 03 min
